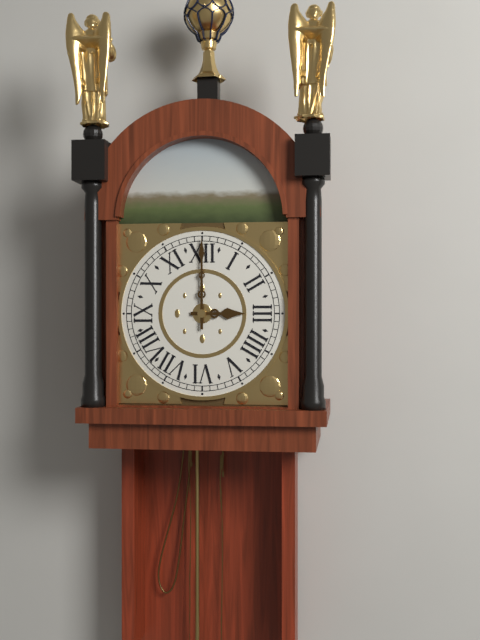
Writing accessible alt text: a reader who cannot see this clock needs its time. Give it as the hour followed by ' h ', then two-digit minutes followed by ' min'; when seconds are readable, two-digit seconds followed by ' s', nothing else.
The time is 3 h 00 min
